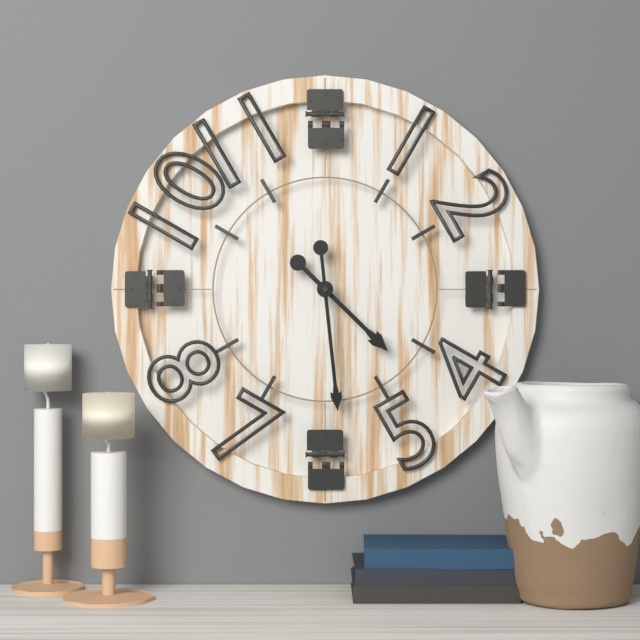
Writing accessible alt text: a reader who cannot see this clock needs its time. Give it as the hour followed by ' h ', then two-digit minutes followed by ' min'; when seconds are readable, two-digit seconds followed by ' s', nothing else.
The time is 4 h 29 min
